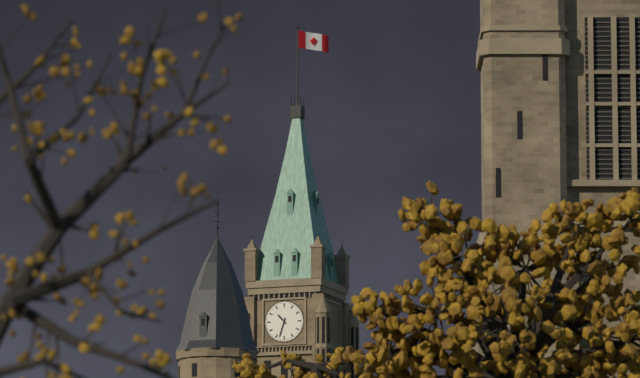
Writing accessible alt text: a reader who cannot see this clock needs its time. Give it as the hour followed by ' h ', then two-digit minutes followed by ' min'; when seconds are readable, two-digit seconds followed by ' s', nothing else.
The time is 10 h 33 min
